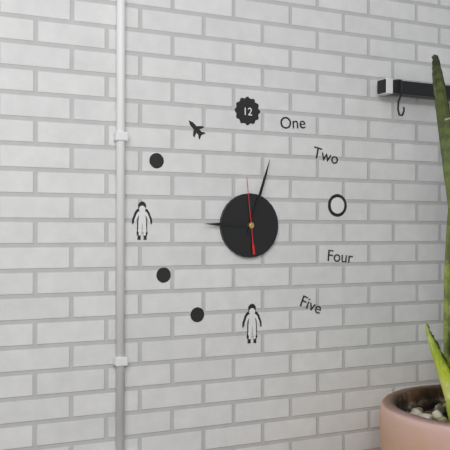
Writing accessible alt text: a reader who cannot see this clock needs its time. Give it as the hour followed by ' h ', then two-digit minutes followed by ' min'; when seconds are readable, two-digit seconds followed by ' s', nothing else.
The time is 9 h 03 min 59 s
